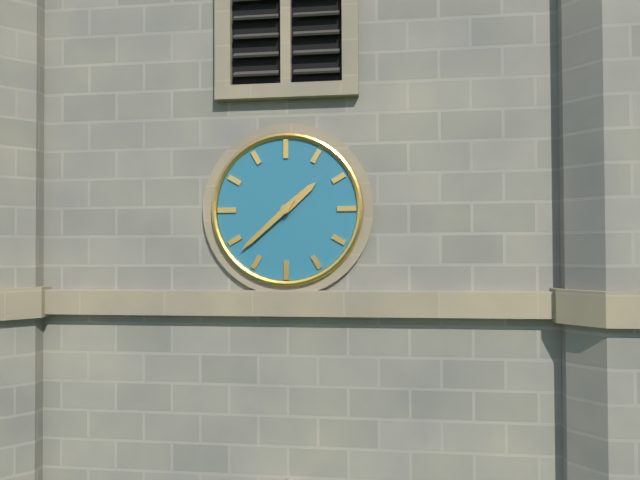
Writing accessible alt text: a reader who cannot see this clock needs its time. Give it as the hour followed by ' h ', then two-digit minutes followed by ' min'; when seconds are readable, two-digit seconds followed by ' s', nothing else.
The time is 1 h 38 min
